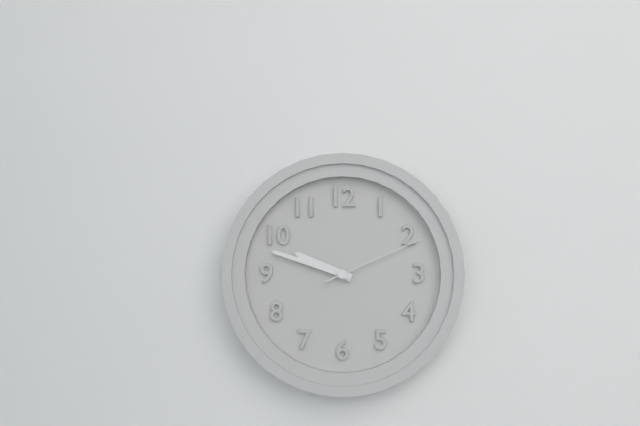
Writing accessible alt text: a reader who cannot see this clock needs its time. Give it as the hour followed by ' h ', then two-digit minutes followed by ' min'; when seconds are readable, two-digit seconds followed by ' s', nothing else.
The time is 9 h 48 min 11 s
